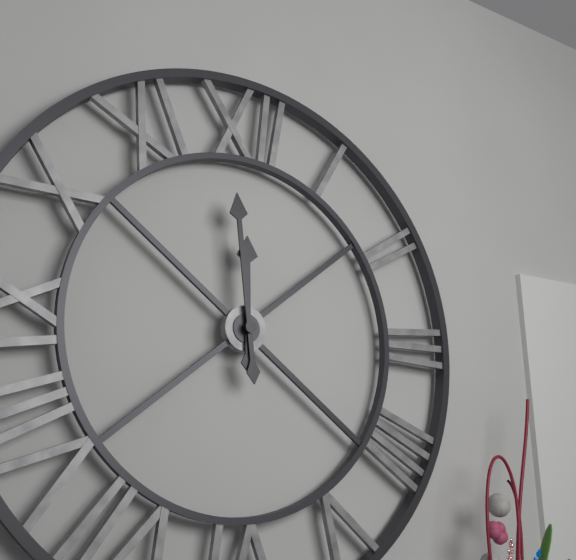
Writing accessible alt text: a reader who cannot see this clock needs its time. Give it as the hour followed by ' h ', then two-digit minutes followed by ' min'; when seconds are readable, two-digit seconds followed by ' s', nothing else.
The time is 11 h 59 min
